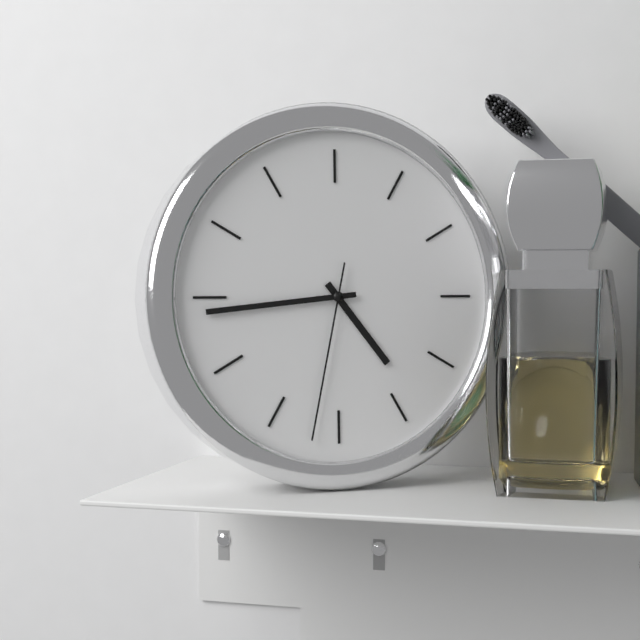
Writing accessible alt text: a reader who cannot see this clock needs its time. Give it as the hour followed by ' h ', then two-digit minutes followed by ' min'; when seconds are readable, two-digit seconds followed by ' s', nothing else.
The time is 4 h 44 min 32 s
